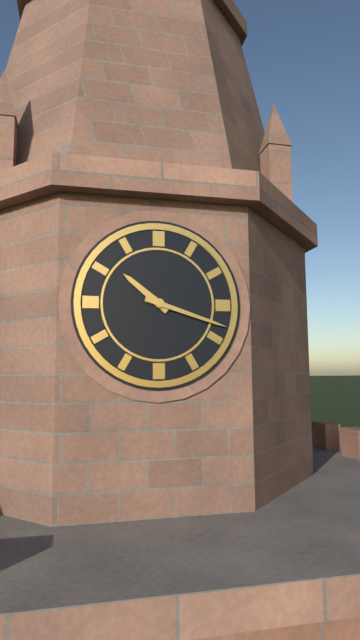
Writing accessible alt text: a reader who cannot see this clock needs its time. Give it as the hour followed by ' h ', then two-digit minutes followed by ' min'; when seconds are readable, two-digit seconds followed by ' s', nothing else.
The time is 10 h 18 min
